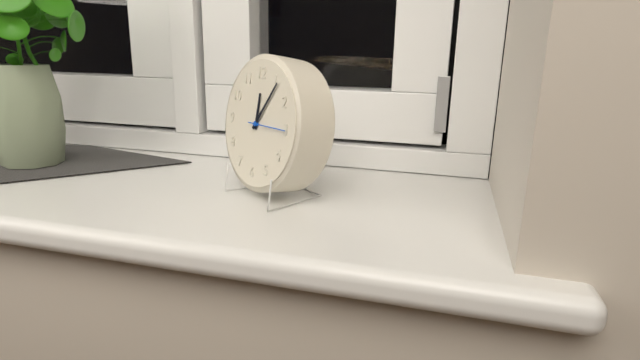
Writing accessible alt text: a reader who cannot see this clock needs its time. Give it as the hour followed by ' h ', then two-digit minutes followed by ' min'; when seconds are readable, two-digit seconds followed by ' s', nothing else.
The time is 12 h 06 min
